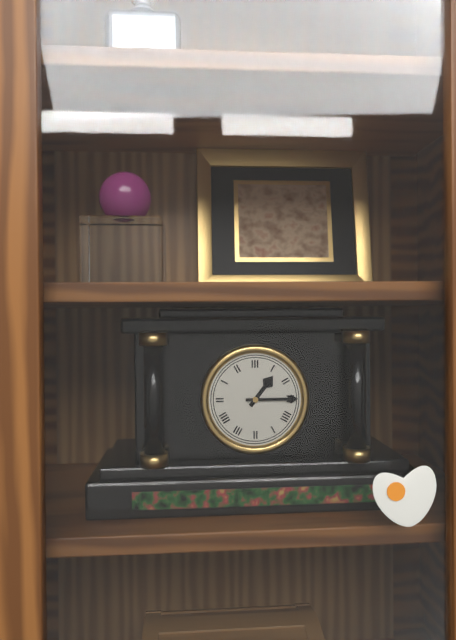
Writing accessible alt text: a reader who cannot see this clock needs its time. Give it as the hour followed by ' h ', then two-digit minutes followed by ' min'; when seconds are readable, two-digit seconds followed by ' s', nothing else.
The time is 1 h 15 min
